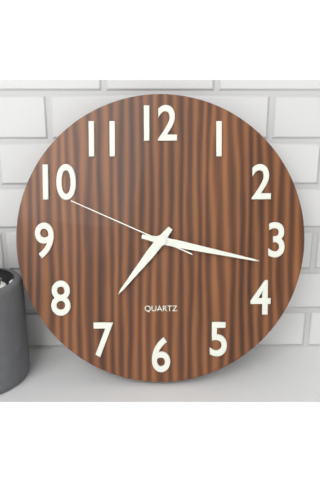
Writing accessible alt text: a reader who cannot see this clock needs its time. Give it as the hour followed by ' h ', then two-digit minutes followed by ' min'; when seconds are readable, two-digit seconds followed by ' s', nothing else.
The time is 7 h 17 min 49 s
